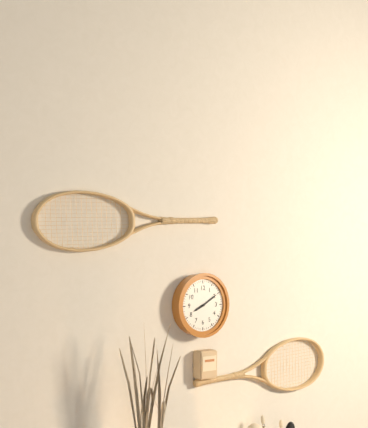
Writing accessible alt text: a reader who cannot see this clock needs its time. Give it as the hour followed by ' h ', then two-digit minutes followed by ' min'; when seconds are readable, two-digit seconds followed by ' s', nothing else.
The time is 8 h 10 min
